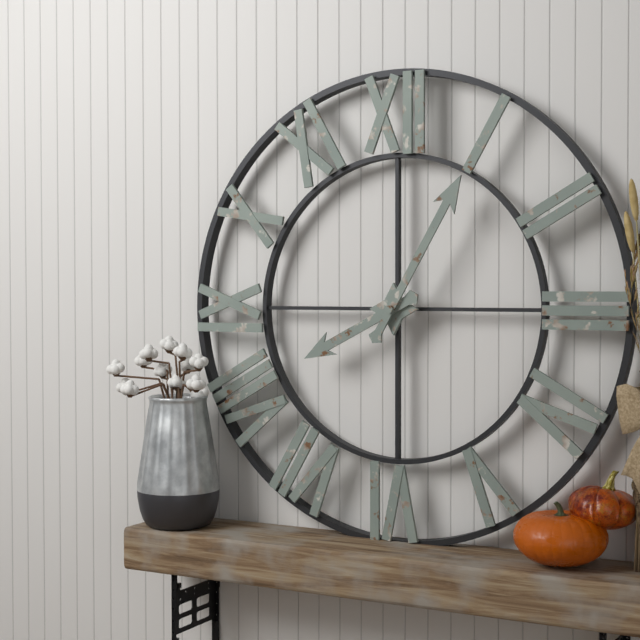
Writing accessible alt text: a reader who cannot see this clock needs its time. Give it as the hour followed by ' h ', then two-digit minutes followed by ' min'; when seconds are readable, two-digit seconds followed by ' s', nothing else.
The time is 8 h 05 min
